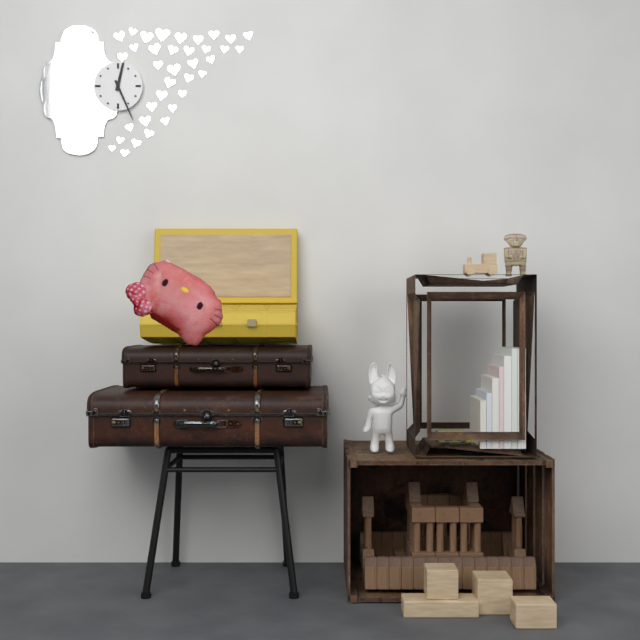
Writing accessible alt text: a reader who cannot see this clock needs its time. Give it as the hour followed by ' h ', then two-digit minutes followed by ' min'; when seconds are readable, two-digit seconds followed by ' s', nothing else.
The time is 12 h 26 min
